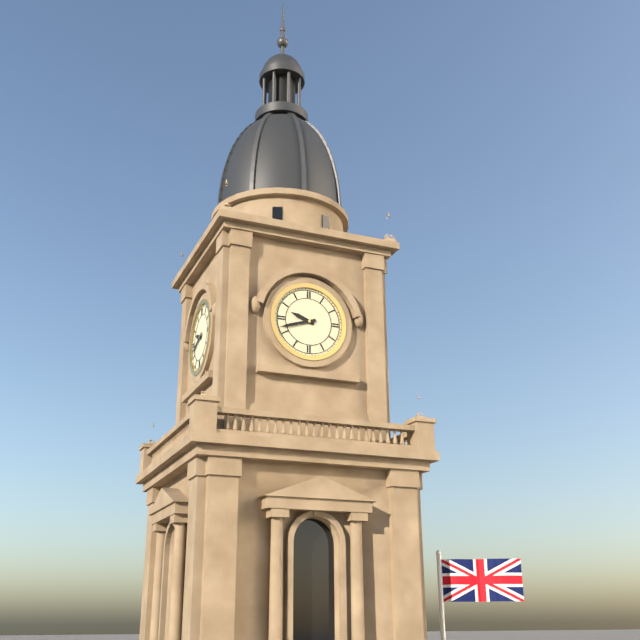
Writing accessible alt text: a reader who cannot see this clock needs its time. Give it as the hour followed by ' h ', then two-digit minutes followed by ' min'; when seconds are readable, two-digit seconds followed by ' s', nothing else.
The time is 9 h 42 min
